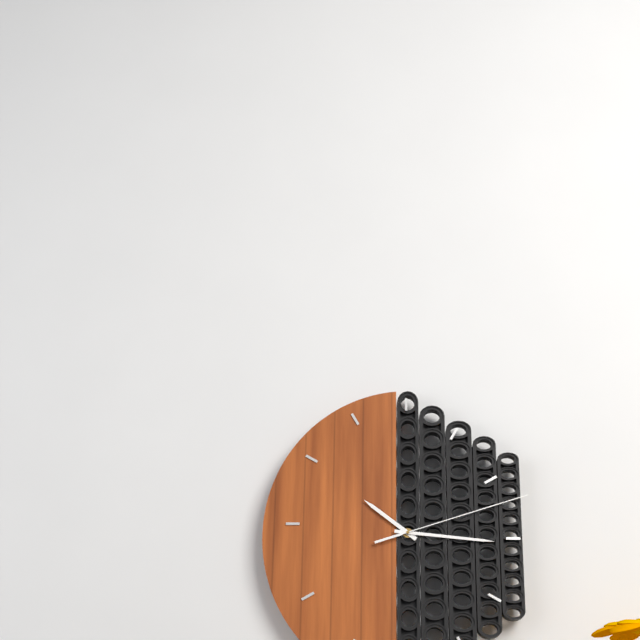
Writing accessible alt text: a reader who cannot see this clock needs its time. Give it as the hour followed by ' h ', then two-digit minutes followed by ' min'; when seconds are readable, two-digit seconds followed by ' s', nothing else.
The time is 10 h 16 min 12 s
